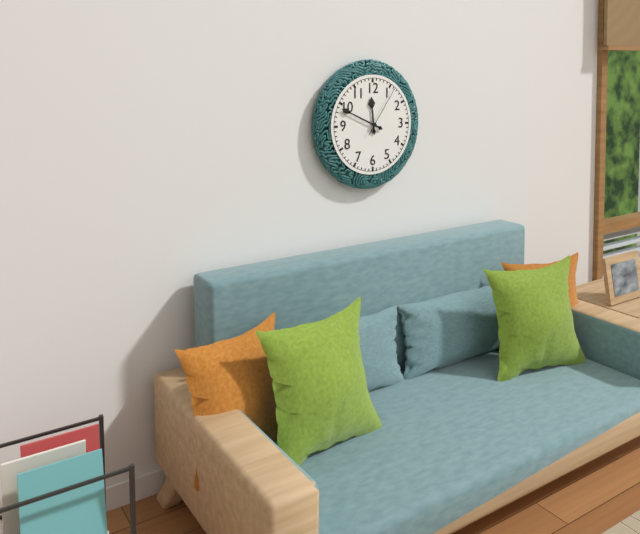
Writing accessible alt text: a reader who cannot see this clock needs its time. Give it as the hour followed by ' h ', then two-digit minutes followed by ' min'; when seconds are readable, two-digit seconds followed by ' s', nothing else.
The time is 11 h 49 min 06 s
